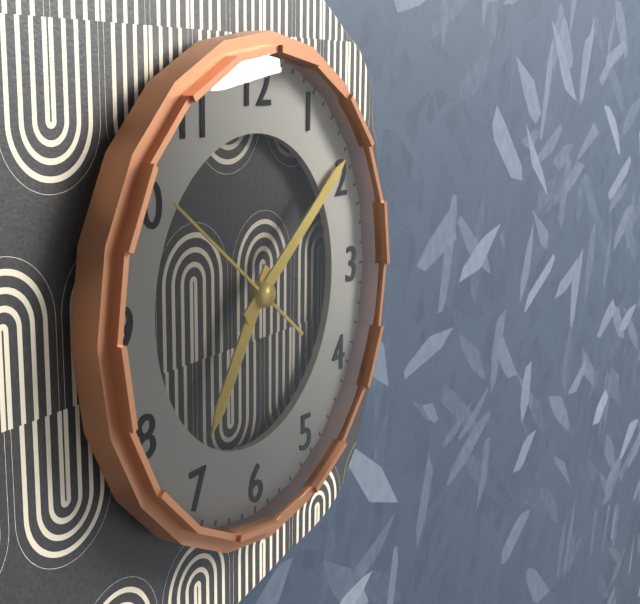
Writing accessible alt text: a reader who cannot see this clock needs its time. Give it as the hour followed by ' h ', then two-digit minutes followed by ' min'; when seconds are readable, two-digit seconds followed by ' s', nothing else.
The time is 7 h 09 min 51 s
